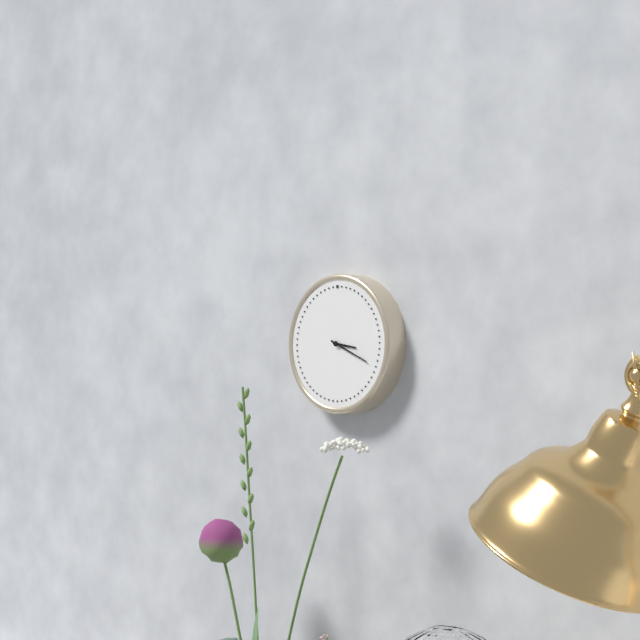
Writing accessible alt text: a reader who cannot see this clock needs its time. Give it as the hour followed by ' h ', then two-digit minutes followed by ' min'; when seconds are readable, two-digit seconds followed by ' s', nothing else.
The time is 3 h 19 min
